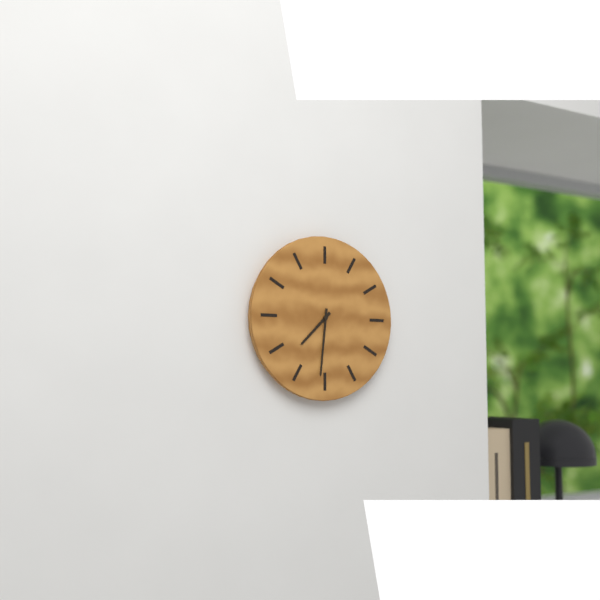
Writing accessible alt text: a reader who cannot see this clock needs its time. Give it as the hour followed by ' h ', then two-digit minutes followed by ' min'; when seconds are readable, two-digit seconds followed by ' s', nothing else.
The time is 7 h 31 min
